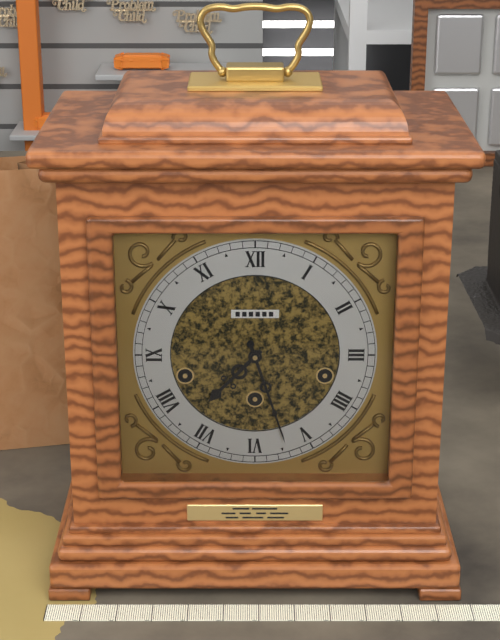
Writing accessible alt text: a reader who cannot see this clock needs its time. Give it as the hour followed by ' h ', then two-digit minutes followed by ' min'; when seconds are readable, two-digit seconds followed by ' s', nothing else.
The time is 7 h 27 min
